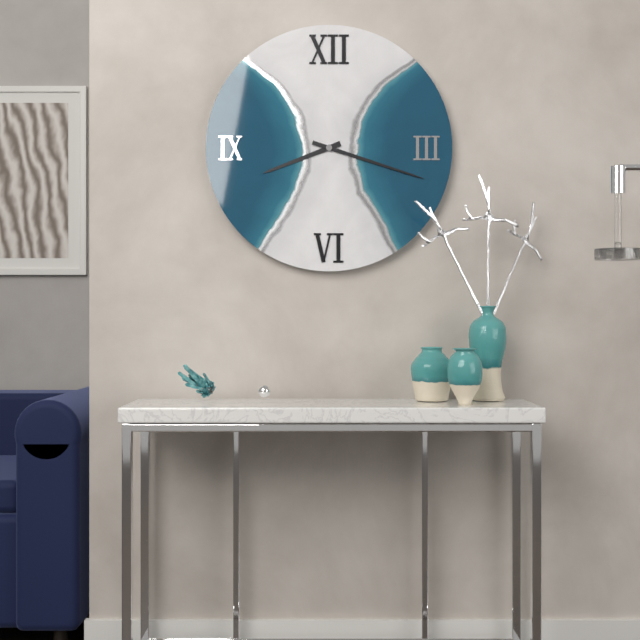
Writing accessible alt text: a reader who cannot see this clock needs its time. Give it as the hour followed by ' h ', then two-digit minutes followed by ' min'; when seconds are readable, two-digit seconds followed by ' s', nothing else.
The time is 8 h 18 min
